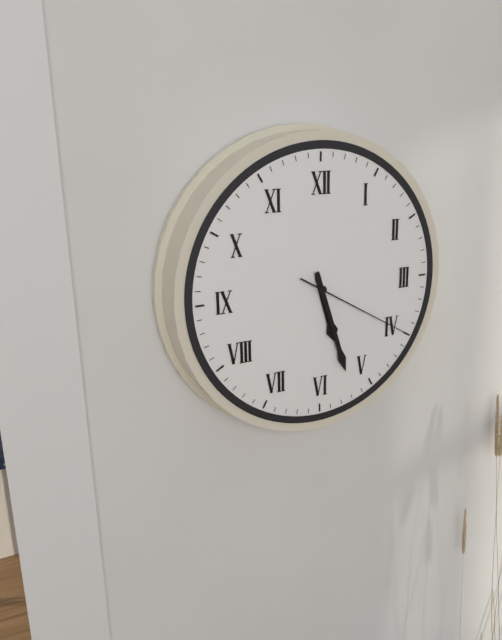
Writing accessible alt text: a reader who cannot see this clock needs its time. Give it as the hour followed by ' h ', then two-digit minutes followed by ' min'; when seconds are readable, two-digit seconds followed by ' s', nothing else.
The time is 5 h 27 min 20 s
